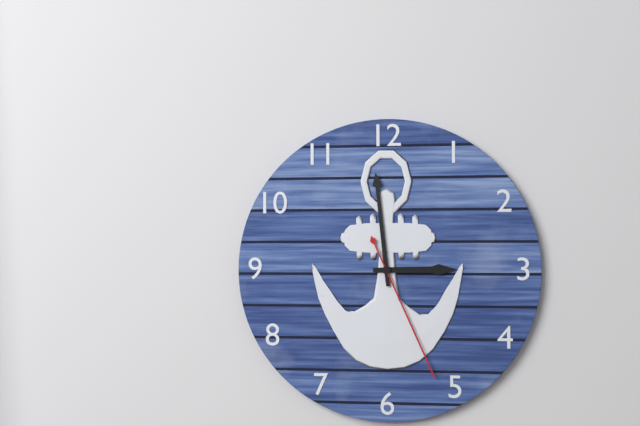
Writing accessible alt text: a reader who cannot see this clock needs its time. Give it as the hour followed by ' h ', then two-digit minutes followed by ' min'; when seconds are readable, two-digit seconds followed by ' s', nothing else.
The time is 2 h 59 min 26 s
